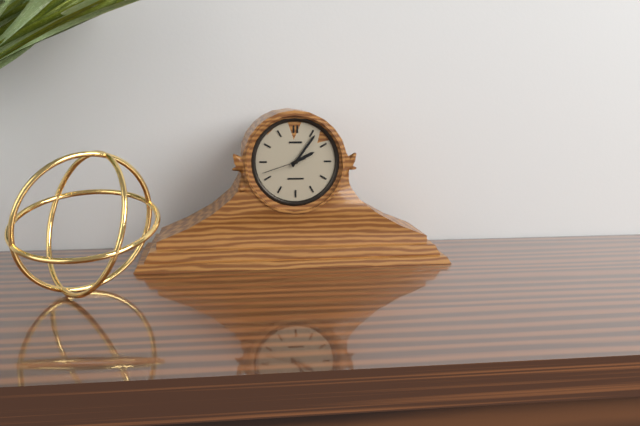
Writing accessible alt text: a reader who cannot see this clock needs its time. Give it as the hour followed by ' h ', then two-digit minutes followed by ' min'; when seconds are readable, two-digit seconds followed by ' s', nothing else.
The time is 2 h 06 min
